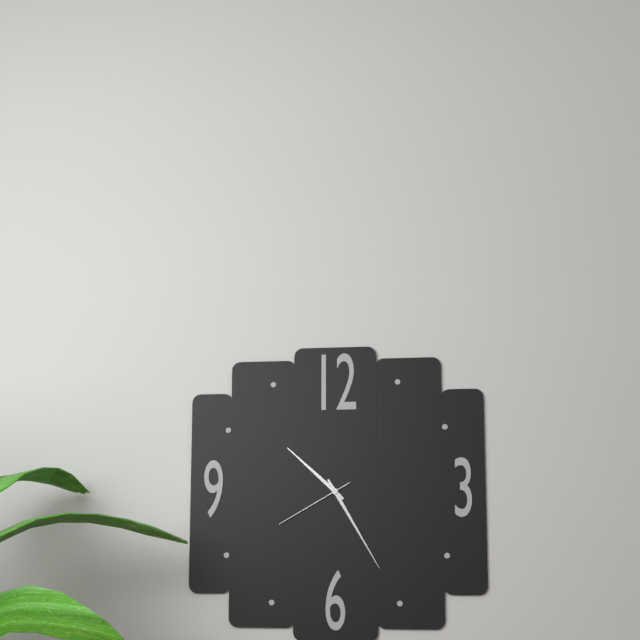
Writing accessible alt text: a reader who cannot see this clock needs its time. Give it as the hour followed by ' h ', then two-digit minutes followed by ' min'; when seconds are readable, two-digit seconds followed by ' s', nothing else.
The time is 10 h 25 min 40 s
